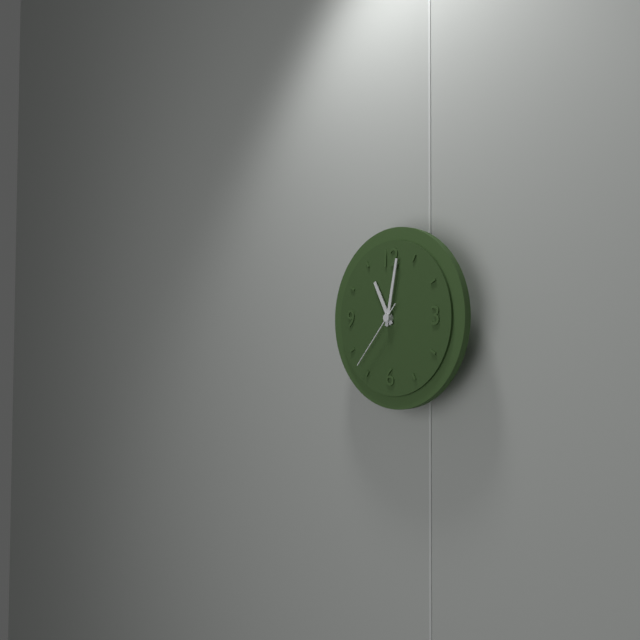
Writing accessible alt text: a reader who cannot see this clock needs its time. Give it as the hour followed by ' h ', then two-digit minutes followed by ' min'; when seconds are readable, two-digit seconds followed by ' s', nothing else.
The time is 11 h 02 min 37 s
